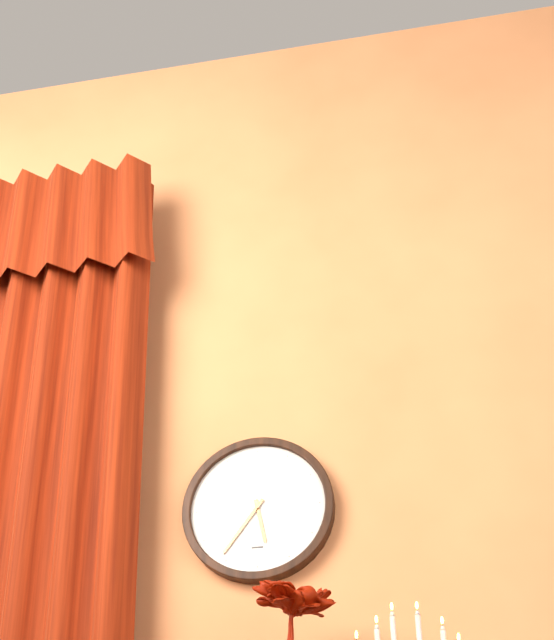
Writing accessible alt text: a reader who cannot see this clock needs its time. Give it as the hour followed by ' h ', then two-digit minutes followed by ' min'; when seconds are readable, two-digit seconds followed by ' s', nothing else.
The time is 5 h 36 min
